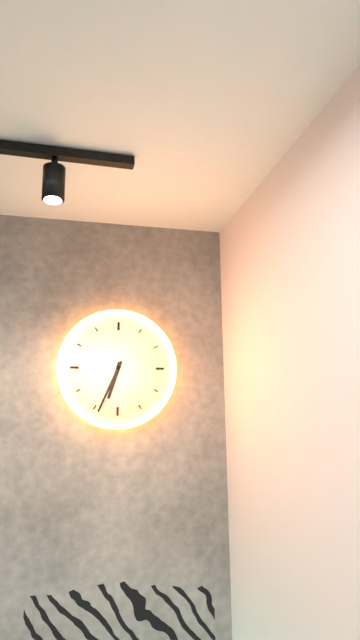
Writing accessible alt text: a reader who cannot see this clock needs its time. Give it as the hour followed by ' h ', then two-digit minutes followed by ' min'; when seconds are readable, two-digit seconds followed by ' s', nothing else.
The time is 6 h 34 min
